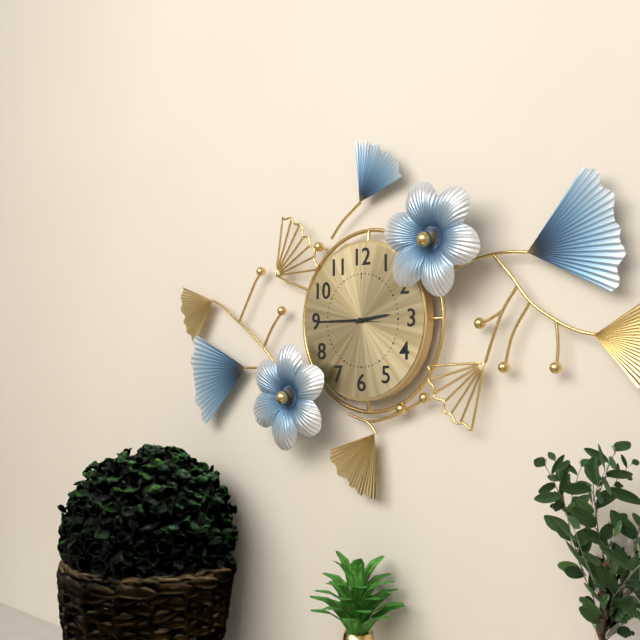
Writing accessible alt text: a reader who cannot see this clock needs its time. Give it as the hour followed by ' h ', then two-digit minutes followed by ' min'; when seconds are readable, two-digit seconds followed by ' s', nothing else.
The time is 2 h 45 min
